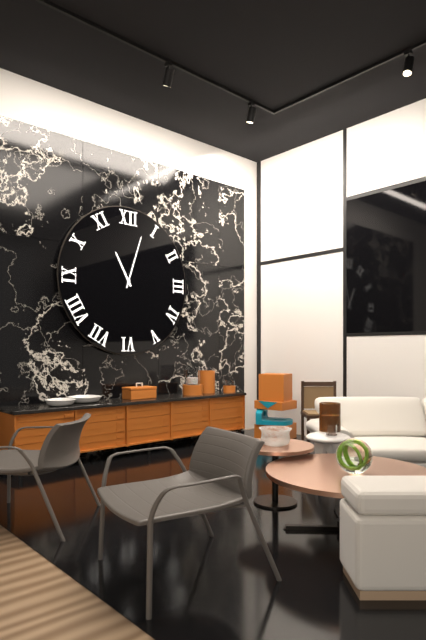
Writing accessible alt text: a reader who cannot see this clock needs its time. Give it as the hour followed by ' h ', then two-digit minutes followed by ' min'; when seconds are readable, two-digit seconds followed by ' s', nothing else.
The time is 11 h 03 min
